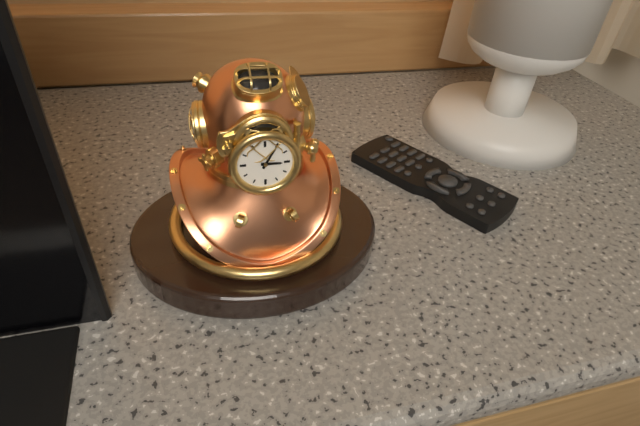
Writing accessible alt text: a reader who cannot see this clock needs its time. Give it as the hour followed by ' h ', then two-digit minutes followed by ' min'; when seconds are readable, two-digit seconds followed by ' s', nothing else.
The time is 3 h 05 min
